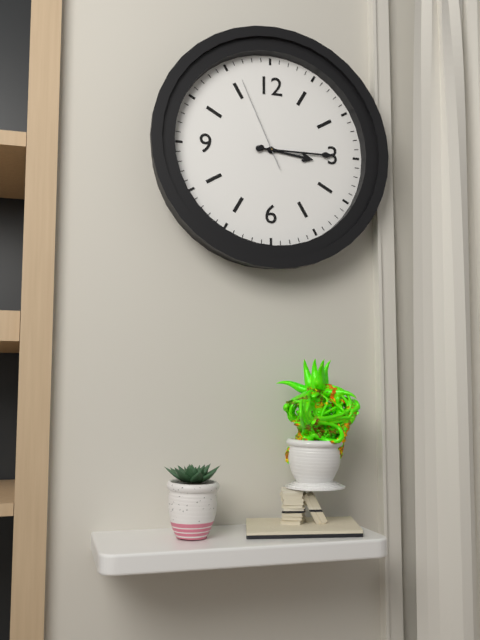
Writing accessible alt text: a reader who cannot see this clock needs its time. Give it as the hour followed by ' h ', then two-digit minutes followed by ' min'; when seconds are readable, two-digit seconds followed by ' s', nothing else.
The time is 3 h 15 min 56 s
